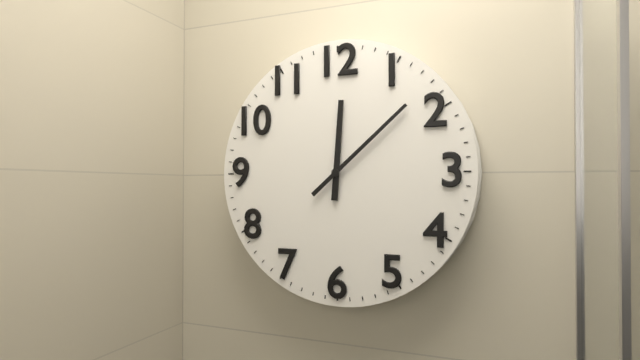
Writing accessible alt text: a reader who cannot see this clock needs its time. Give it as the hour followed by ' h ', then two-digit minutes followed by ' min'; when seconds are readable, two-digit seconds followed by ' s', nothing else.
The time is 12 h 08 min
